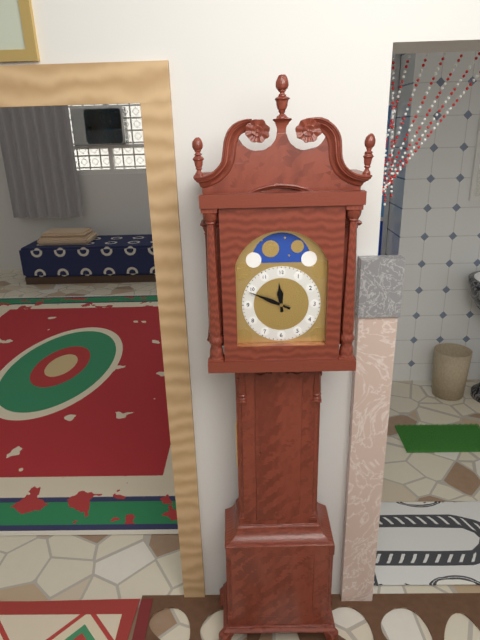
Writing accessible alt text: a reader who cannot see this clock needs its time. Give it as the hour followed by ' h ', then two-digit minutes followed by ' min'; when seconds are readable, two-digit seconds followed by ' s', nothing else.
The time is 11 h 49 min
